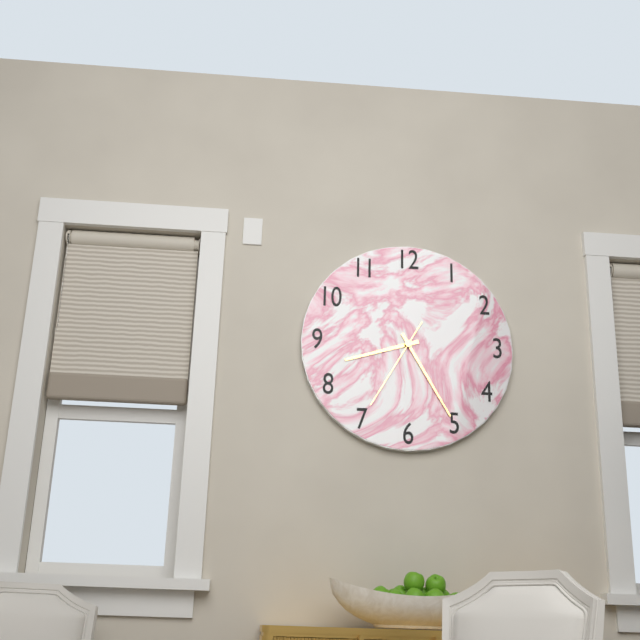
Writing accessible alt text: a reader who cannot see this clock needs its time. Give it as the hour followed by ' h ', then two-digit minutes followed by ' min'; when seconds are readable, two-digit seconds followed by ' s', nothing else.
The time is 8 h 25 min 35 s
